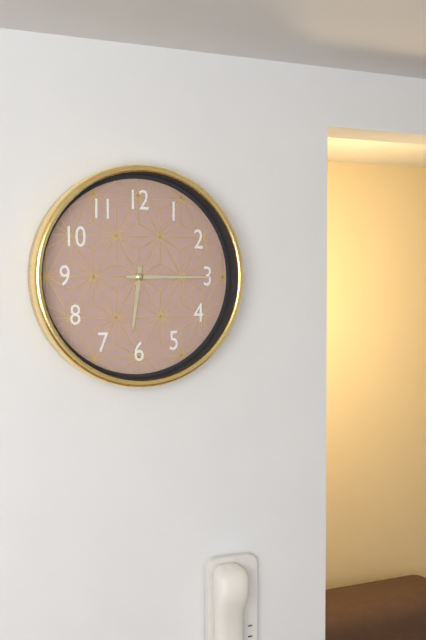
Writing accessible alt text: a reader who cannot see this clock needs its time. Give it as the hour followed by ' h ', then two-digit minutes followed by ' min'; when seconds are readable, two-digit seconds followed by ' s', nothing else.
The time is 6 h 15 min
